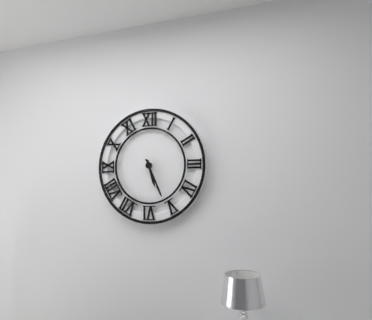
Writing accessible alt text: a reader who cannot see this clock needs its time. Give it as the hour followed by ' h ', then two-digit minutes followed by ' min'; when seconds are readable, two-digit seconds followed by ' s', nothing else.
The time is 5 h 26 min
